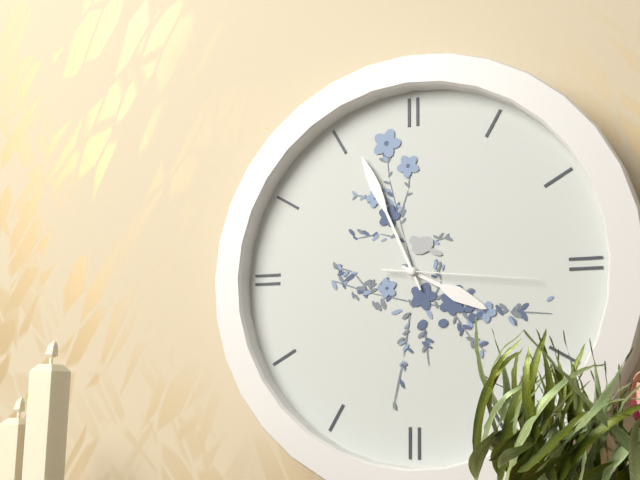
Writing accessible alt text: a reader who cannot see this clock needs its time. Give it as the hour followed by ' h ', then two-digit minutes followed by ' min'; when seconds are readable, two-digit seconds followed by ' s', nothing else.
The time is 3 h 56 min 16 s
